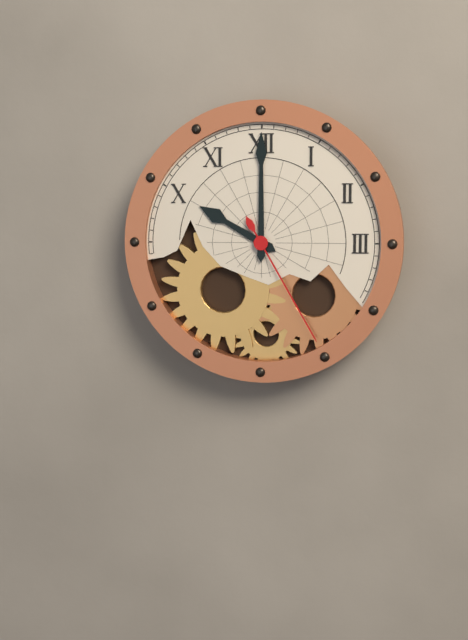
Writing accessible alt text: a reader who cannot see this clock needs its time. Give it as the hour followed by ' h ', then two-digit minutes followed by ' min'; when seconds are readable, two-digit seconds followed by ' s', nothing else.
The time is 10 h 00 min 25 s
